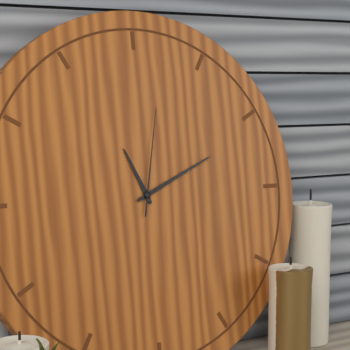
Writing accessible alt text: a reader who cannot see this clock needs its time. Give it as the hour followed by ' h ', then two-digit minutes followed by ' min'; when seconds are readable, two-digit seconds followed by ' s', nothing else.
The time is 11 h 11 min 02 s
